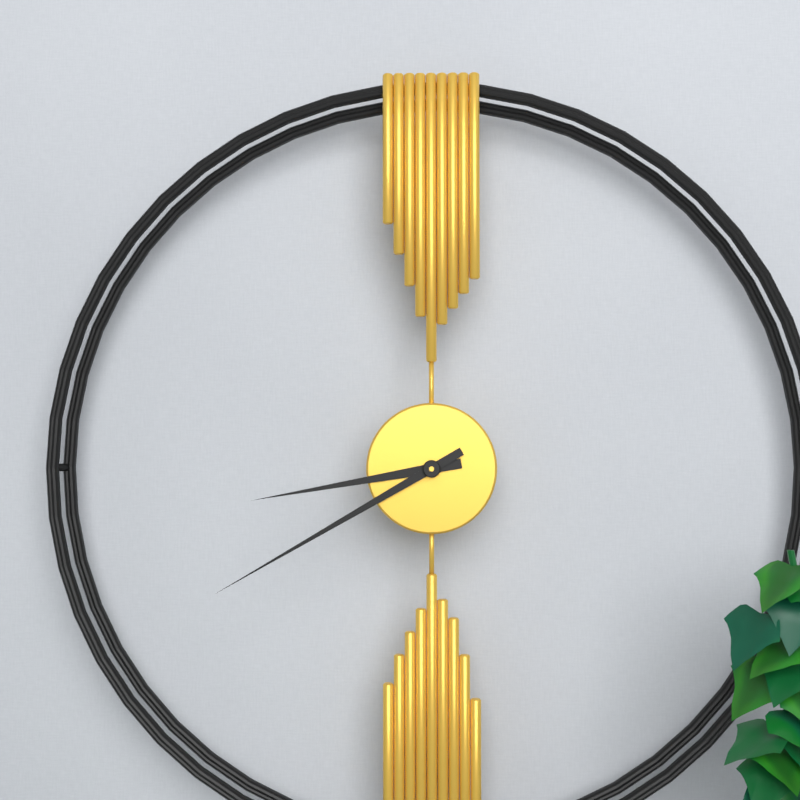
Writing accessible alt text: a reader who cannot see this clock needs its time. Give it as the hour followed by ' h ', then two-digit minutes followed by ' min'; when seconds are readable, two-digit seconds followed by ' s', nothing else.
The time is 8 h 40 min
